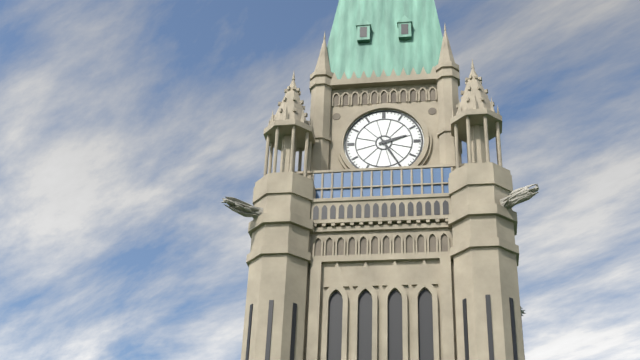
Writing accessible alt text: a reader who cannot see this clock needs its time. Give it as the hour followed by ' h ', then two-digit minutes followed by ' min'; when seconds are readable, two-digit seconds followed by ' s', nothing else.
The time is 2 h 25 min
